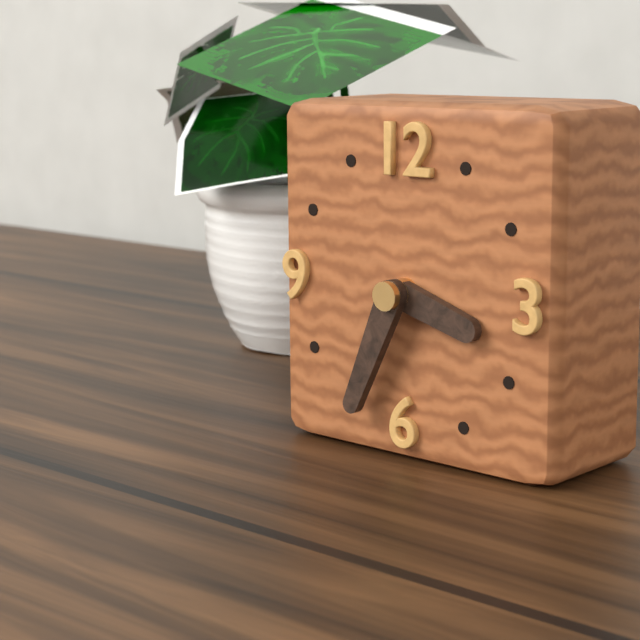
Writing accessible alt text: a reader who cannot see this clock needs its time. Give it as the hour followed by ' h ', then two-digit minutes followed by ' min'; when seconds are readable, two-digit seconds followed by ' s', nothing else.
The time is 3 h 34 min
